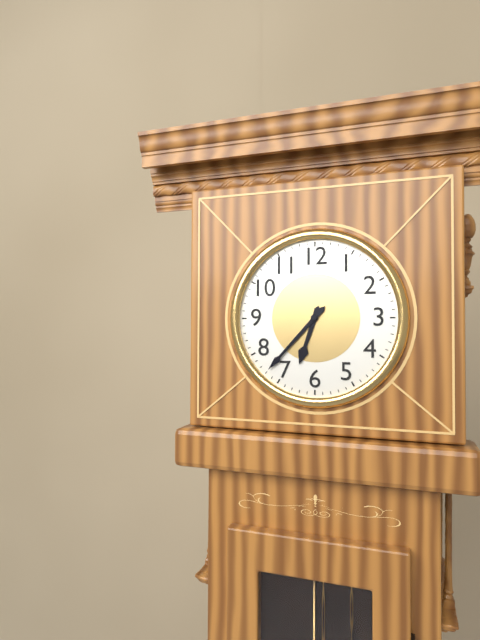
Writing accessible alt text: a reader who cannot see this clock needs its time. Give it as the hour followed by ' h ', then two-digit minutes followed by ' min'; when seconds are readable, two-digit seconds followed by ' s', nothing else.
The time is 6 h 37 min
